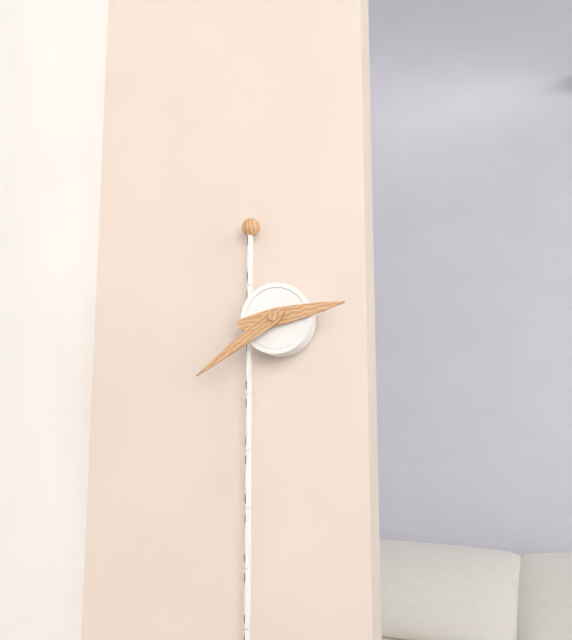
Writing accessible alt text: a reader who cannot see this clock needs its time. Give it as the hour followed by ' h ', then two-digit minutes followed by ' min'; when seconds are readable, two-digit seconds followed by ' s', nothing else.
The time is 2 h 39 min
